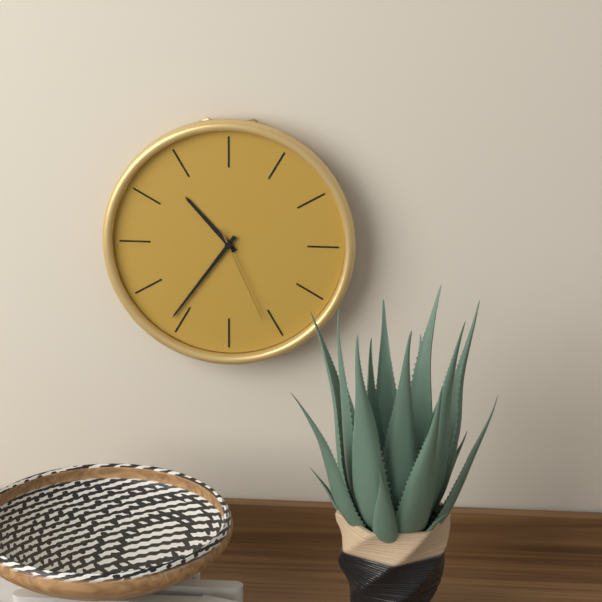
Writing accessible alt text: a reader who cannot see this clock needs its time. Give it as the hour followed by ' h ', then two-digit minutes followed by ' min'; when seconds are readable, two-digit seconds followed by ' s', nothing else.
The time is 10 h 36 min 26 s
